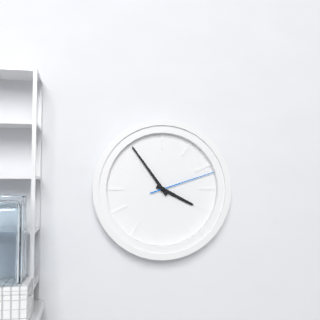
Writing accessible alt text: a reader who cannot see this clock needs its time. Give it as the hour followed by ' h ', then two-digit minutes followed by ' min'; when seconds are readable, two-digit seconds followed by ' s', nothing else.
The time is 3 h 54 min 12 s
